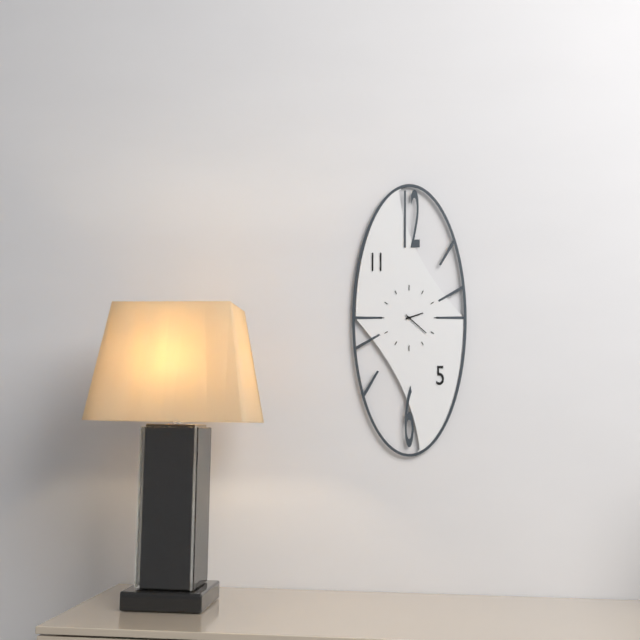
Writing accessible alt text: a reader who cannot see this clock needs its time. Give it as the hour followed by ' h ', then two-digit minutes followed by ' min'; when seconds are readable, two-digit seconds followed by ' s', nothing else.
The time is 2 h 22 min
